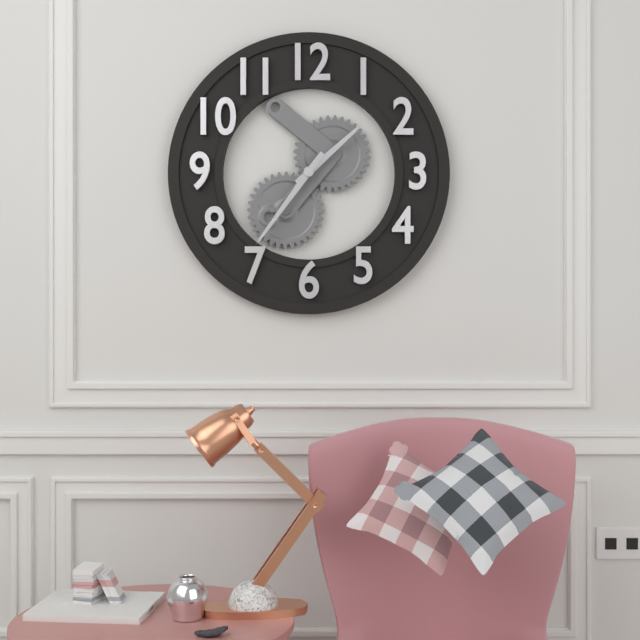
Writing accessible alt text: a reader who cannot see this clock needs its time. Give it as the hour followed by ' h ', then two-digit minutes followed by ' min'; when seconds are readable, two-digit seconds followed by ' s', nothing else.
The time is 1 h 36 min
